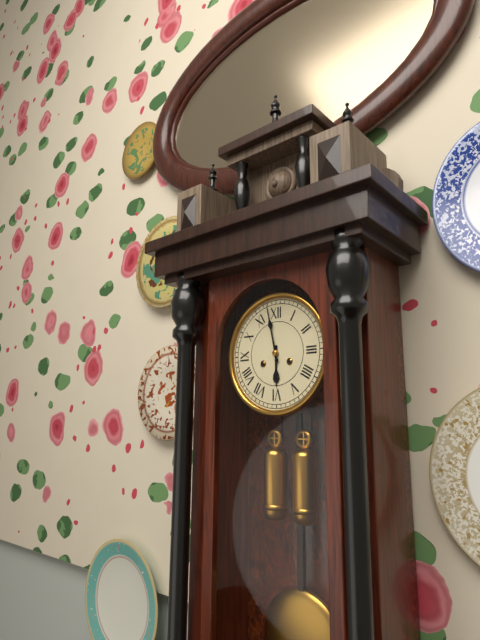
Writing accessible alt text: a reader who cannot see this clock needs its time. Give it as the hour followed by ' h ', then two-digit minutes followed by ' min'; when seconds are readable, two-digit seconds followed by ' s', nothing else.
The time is 5 h 58 min
